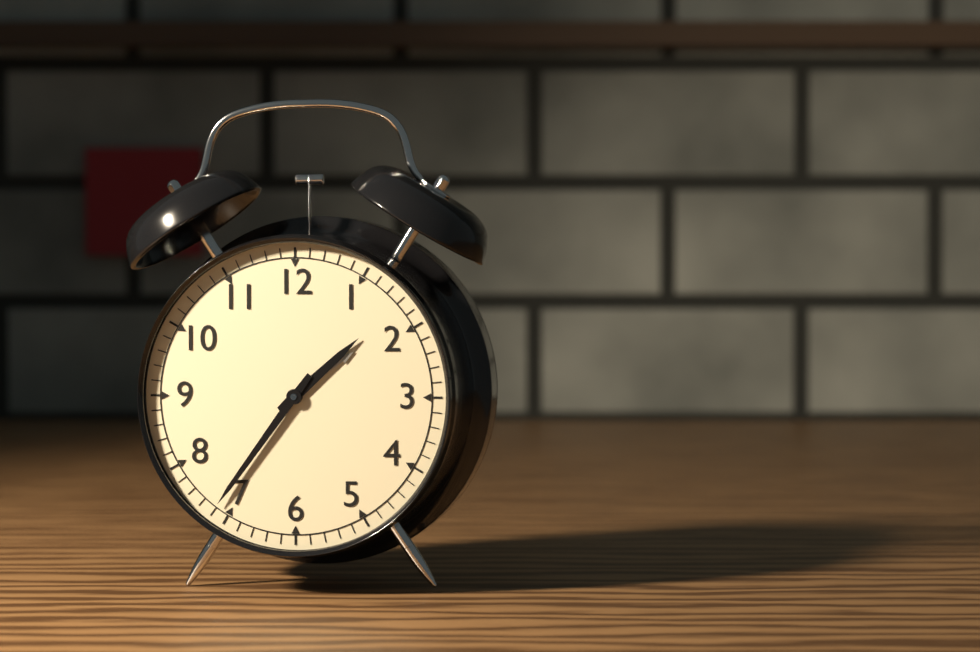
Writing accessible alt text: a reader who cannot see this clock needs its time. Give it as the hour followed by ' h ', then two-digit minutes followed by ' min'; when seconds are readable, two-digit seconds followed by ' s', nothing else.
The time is 1 h 36 min
